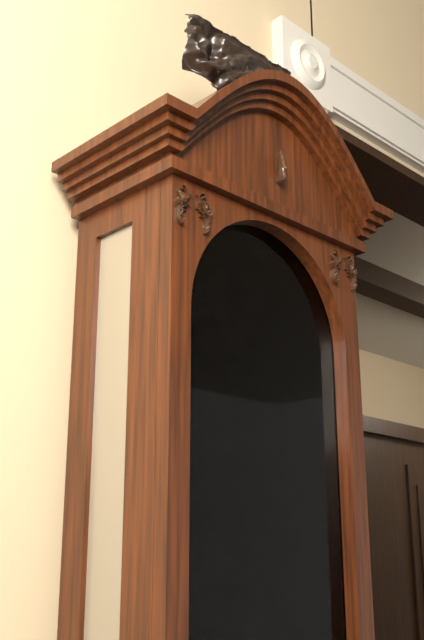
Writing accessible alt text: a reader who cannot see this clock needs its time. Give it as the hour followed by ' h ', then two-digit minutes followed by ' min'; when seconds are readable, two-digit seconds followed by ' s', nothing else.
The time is 9 h 24 min
